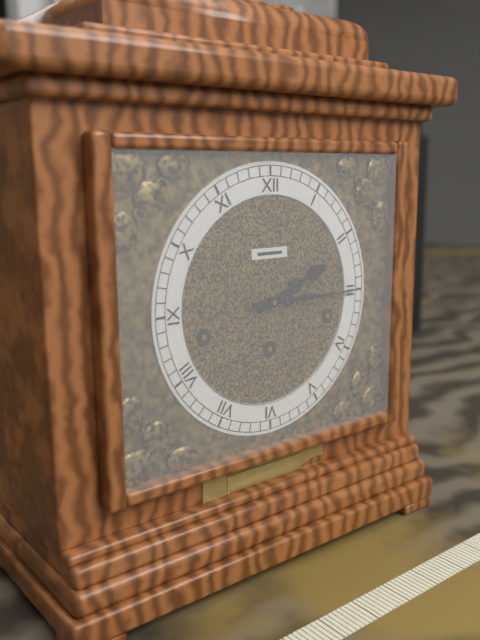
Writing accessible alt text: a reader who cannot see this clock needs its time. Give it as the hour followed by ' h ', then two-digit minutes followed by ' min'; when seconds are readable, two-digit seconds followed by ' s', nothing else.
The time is 2 h 15 min
